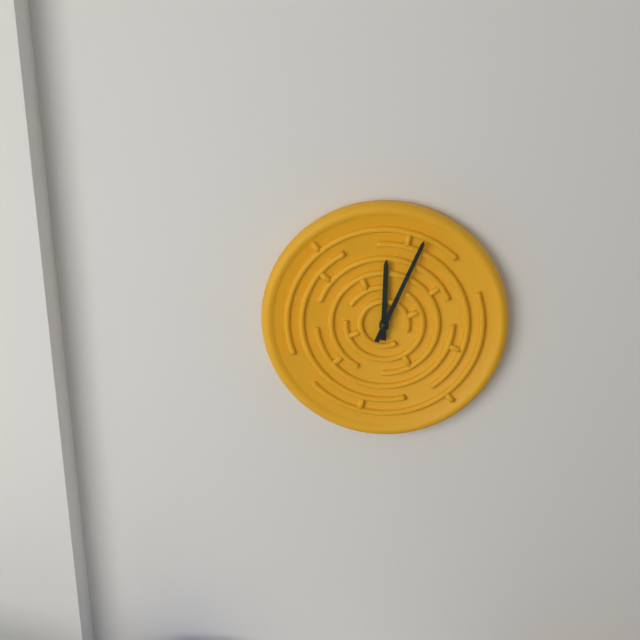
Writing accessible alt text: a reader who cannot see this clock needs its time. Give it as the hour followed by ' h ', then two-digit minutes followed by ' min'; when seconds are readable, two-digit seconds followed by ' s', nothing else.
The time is 12 h 04 min
